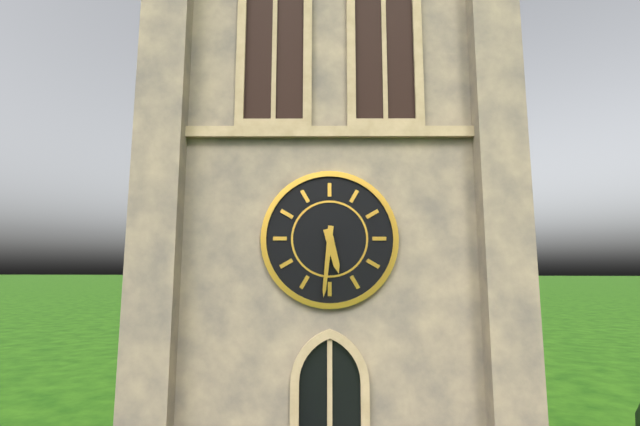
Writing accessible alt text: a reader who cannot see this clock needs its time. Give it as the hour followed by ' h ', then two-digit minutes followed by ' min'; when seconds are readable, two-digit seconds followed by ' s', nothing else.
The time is 5 h 31 min
